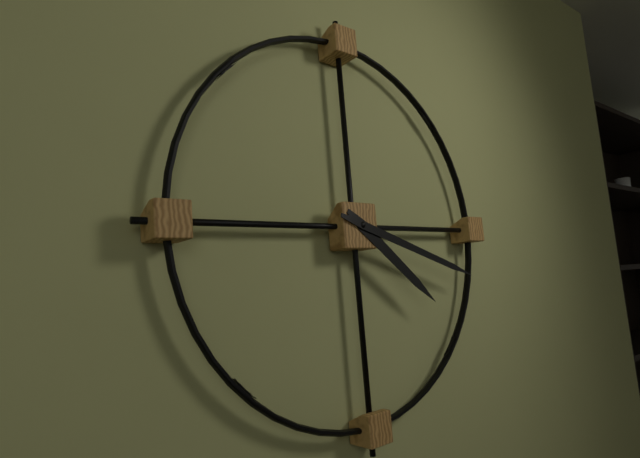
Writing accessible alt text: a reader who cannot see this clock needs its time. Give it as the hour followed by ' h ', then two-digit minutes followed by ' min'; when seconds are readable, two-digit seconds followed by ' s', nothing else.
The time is 4 h 18 min
